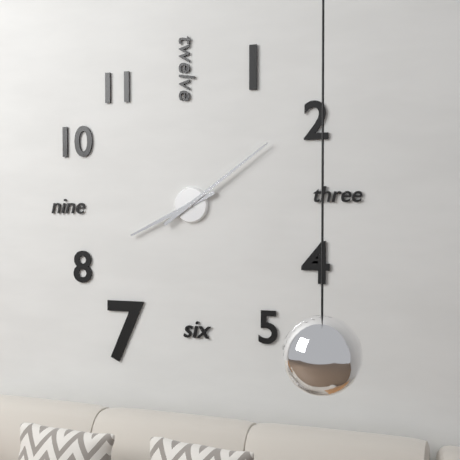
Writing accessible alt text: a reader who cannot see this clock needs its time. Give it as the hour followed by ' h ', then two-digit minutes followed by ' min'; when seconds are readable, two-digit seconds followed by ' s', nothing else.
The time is 8 h 09 min
